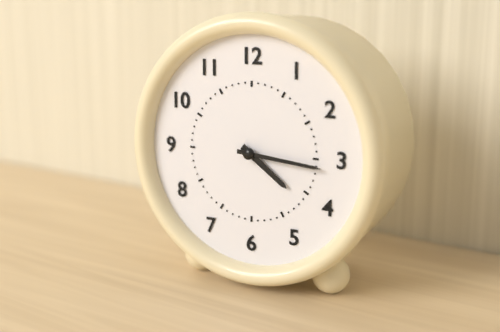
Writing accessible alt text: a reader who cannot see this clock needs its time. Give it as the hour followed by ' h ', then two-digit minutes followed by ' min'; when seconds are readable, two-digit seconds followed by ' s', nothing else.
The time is 4 h 16 min
